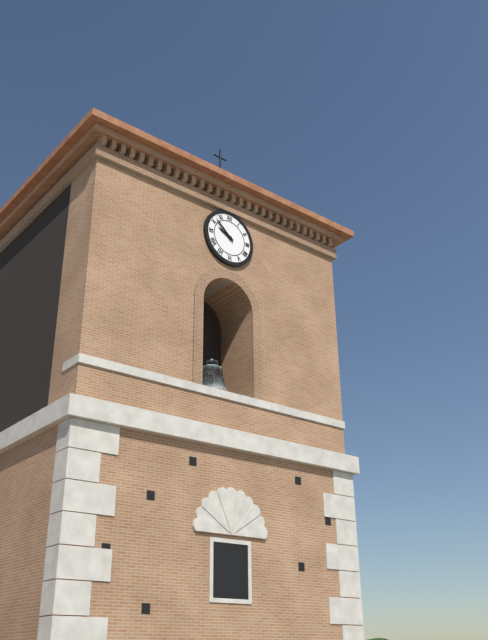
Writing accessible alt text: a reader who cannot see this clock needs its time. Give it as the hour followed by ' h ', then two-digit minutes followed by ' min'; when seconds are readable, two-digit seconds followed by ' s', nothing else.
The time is 9 h 52 min
